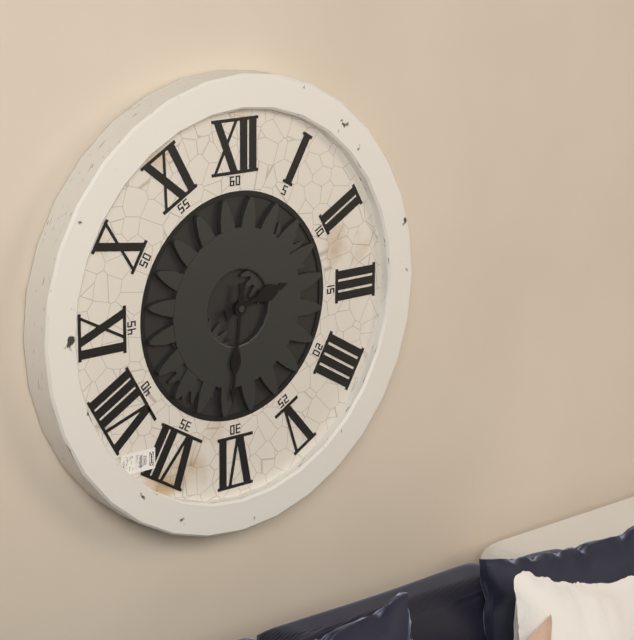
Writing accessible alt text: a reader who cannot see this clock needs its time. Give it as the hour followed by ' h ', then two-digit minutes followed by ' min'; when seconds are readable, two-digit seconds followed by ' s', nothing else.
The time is 2 h 31 min
